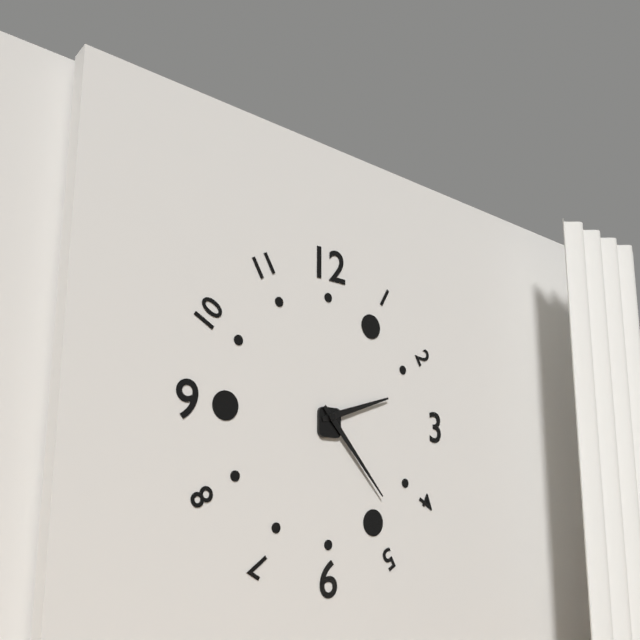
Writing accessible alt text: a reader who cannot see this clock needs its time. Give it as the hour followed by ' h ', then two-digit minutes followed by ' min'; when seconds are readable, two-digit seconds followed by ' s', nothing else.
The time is 2 h 23 min
